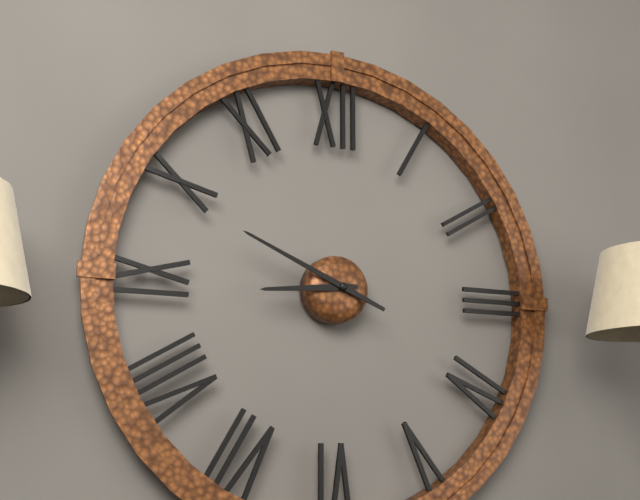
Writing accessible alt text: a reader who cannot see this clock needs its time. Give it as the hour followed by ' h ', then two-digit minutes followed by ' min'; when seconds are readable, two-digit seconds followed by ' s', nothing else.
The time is 8 h 49 min
